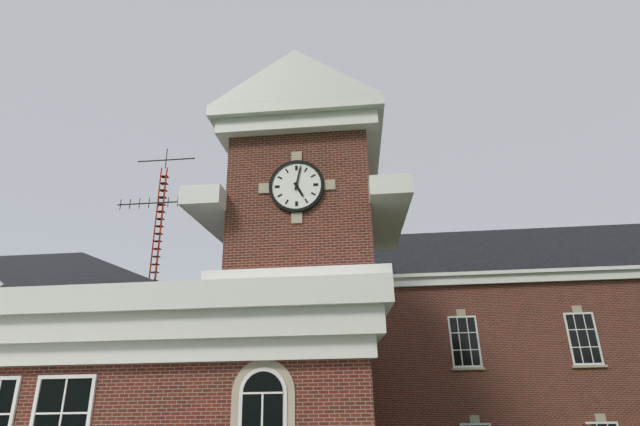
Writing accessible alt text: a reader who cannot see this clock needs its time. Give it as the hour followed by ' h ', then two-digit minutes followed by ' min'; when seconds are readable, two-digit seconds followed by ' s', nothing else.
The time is 5 h 02 min
